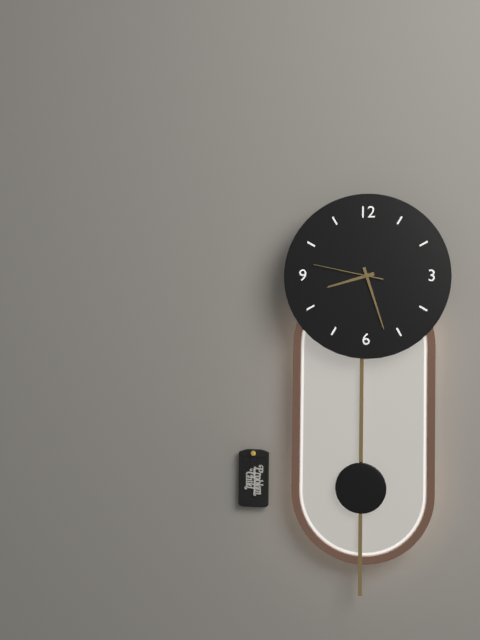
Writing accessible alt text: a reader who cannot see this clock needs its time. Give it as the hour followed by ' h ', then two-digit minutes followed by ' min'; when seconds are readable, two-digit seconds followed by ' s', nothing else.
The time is 8 h 27 min 47 s
